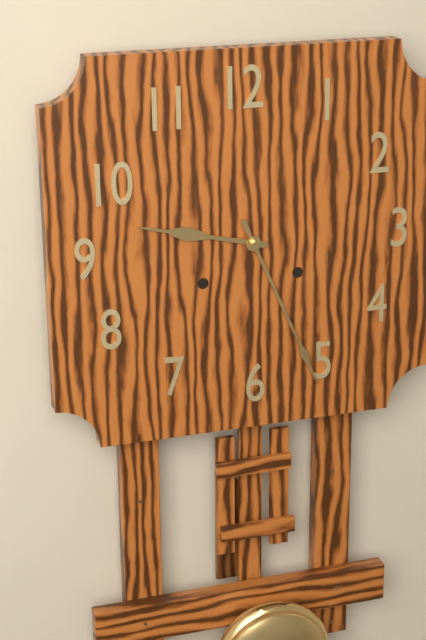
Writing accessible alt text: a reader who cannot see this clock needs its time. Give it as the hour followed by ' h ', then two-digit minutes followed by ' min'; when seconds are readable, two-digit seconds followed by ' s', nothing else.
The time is 9 h 26 min
